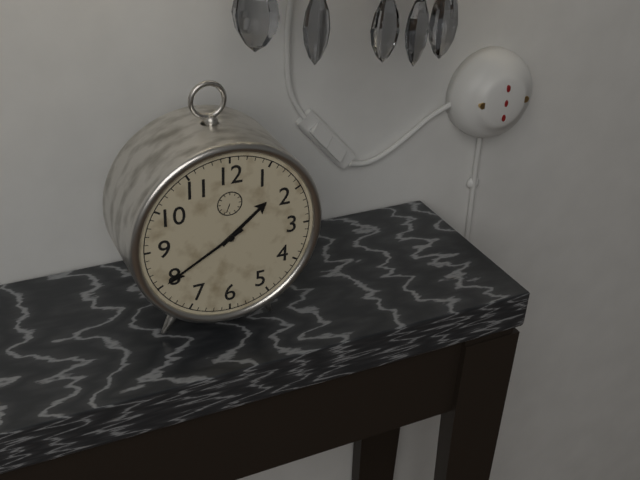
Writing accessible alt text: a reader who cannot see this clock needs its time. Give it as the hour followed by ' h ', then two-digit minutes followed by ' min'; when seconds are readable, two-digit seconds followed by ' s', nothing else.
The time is 1 h 40 min
